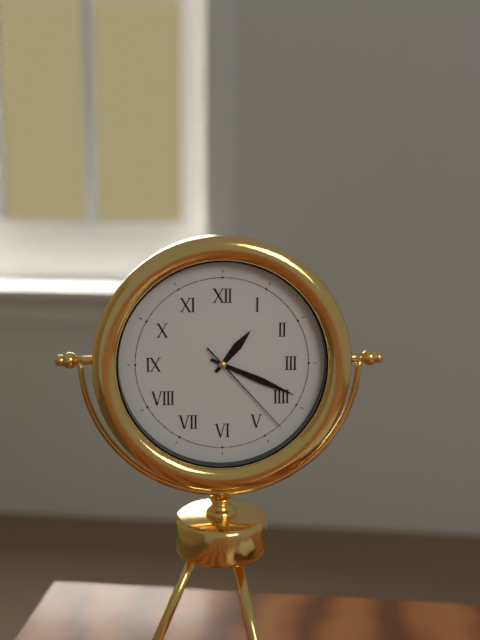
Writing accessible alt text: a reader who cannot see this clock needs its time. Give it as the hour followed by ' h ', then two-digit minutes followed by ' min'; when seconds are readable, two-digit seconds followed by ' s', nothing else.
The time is 1 h 19 min 23 s
